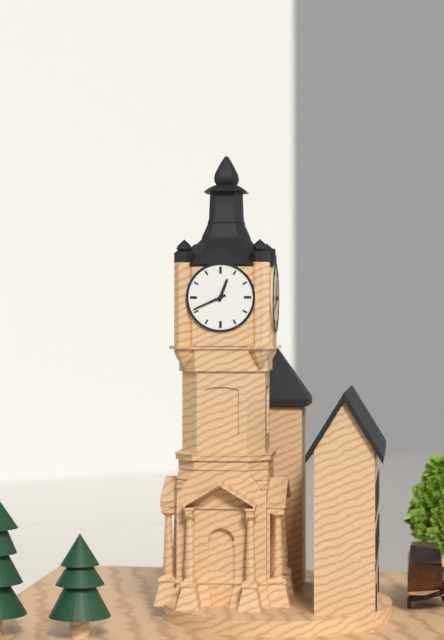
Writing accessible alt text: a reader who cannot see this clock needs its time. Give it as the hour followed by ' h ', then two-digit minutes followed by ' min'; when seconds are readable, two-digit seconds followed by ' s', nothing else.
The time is 12 h 41 min
